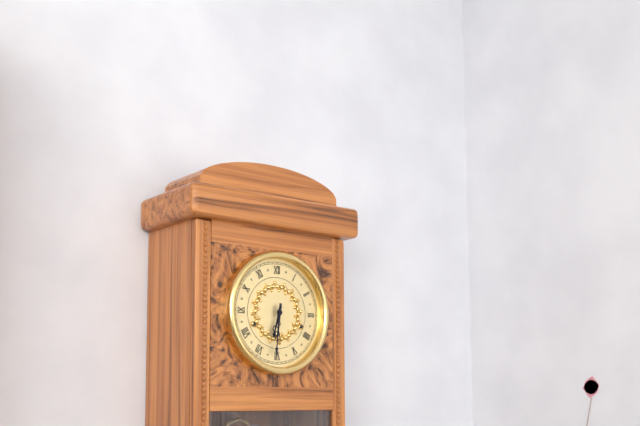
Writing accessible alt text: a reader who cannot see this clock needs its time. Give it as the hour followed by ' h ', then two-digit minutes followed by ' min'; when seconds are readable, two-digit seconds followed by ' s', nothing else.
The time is 6 h 31 min
